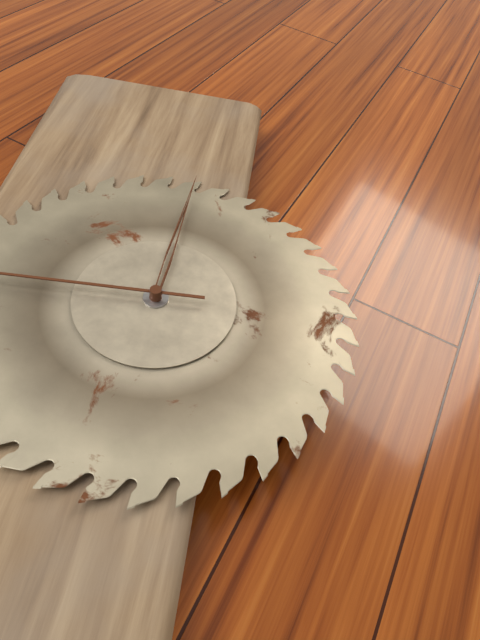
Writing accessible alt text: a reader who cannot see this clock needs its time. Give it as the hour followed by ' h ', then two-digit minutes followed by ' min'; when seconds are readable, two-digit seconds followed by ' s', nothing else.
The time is 12 h 00 min
